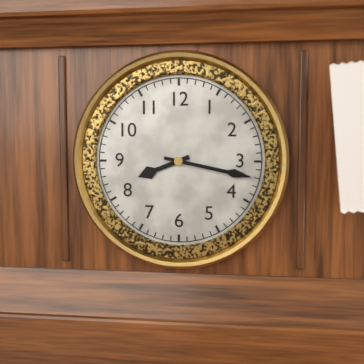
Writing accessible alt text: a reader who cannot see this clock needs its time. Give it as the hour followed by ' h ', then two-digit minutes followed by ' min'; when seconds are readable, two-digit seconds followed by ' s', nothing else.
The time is 8 h 17 min
